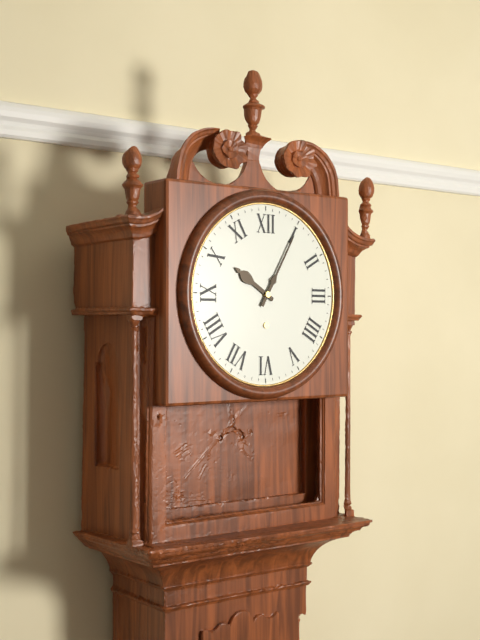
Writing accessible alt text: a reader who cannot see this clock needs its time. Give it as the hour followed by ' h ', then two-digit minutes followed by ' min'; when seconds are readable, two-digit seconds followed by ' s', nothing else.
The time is 10 h 05 min
